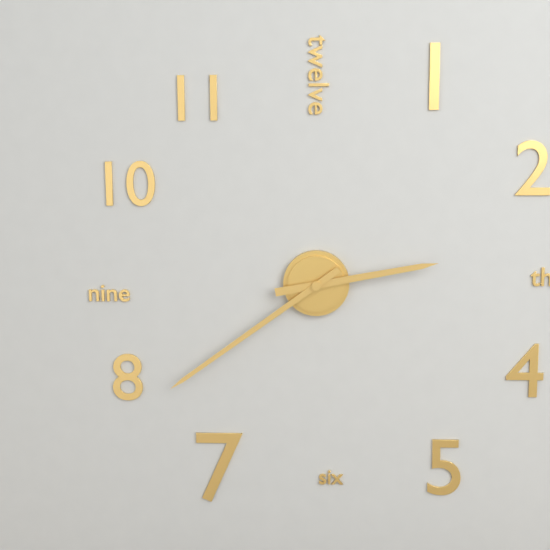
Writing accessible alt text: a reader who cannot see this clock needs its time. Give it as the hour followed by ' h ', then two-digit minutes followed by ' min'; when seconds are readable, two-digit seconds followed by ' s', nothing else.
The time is 2 h 39 min
